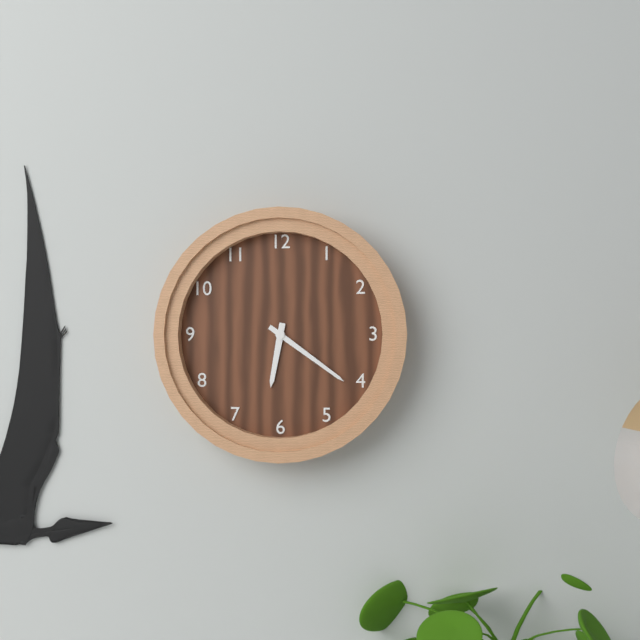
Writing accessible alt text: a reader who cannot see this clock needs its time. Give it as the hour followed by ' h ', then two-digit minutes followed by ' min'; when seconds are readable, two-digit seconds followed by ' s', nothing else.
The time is 6 h 21 min
